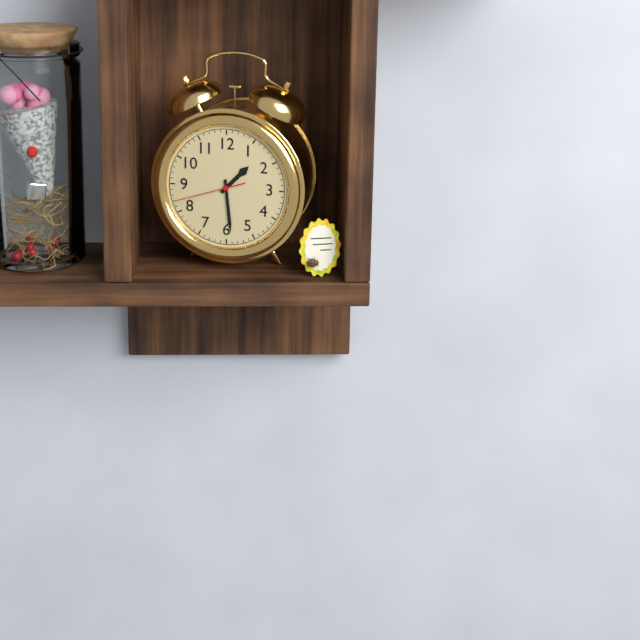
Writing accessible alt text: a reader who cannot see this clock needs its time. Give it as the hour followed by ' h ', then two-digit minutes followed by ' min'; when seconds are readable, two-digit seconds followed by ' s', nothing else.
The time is 1 h 29 min 42 s
